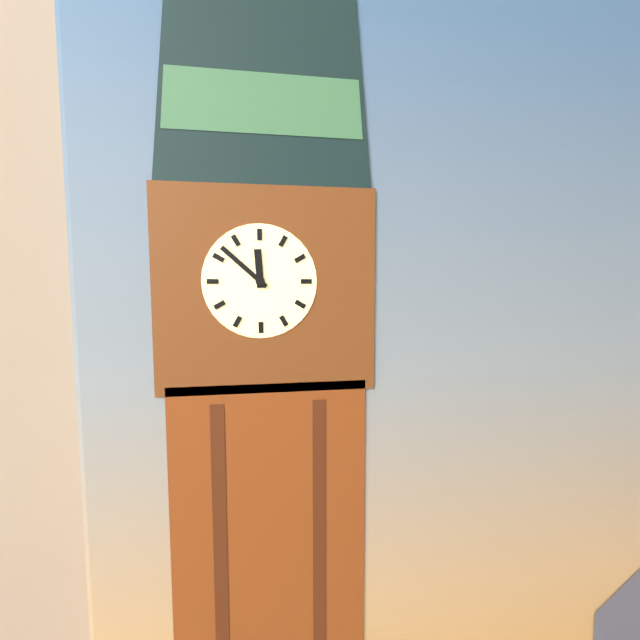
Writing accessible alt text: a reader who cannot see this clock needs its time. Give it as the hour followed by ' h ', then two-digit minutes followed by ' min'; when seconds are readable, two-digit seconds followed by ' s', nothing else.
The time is 11 h 52 min
